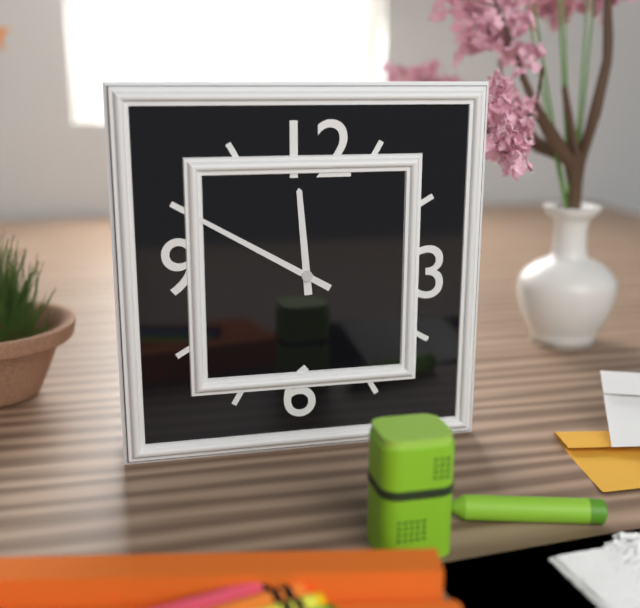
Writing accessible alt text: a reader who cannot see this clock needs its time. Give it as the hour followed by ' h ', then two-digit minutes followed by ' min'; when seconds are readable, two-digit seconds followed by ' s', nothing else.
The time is 11 h 50 min
